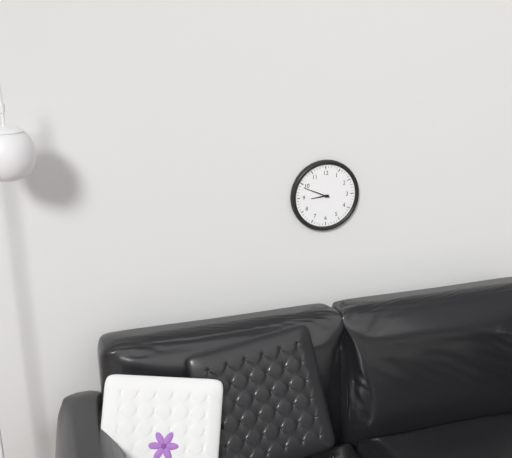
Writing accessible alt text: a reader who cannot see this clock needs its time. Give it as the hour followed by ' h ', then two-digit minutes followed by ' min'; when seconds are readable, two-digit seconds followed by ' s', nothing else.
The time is 8 h 49 min
